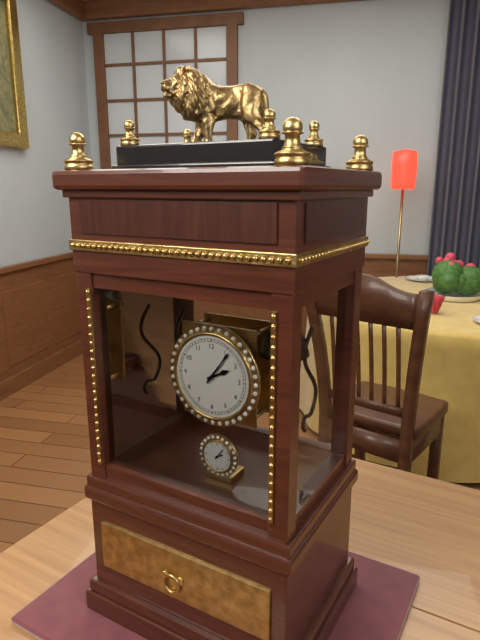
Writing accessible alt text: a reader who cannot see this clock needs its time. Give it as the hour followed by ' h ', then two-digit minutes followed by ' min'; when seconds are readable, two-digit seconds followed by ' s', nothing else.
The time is 2 h 06 min
